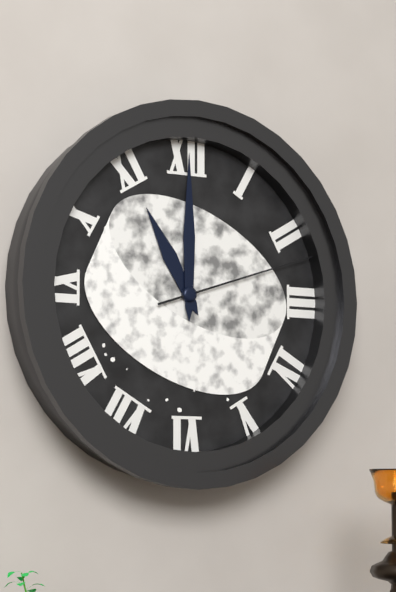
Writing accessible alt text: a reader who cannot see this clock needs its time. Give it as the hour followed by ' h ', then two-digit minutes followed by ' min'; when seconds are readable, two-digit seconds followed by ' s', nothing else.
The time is 11 h 00 min 12 s
